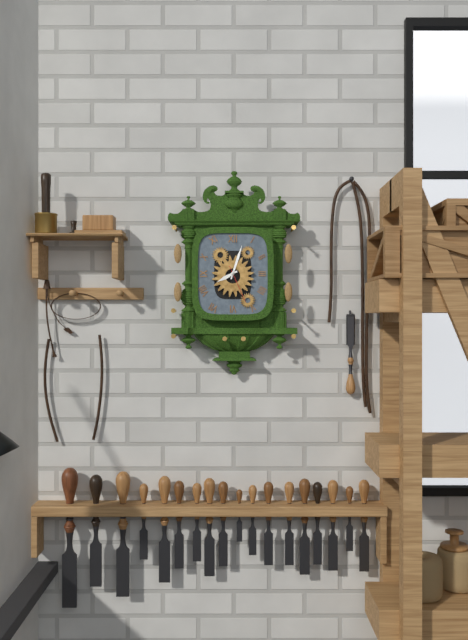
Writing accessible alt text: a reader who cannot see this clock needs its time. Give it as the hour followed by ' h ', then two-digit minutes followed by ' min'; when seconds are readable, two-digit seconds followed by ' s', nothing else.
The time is 8 h 03 min
